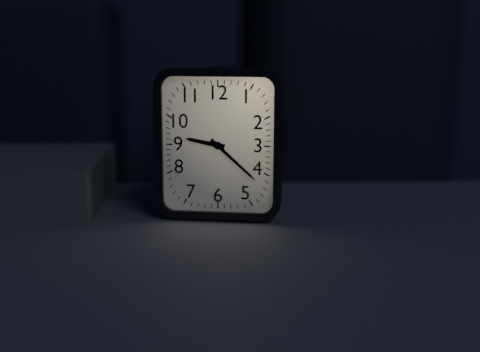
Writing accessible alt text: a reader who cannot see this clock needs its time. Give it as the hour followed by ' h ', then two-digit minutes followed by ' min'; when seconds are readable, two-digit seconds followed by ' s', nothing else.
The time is 9 h 22 min
